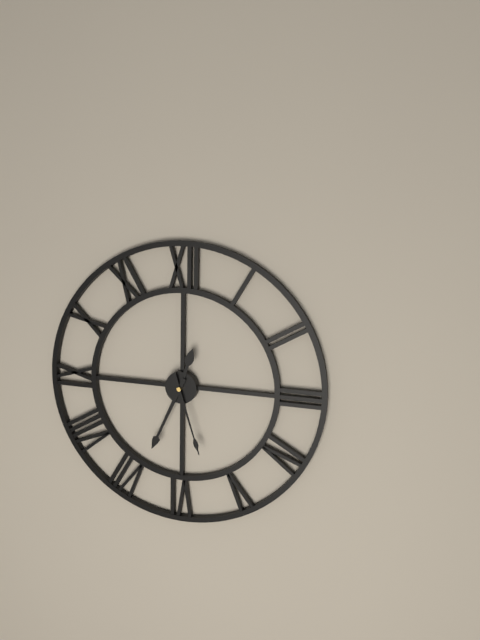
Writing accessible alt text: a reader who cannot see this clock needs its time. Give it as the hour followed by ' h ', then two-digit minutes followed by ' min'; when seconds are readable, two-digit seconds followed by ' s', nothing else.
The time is 12 h 34 min 27 s
